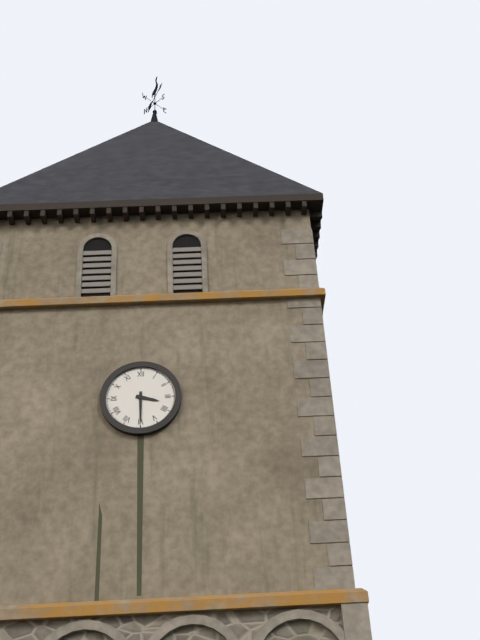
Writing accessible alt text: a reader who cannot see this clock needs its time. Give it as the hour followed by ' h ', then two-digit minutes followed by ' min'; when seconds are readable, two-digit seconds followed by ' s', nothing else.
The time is 3 h 30 min
